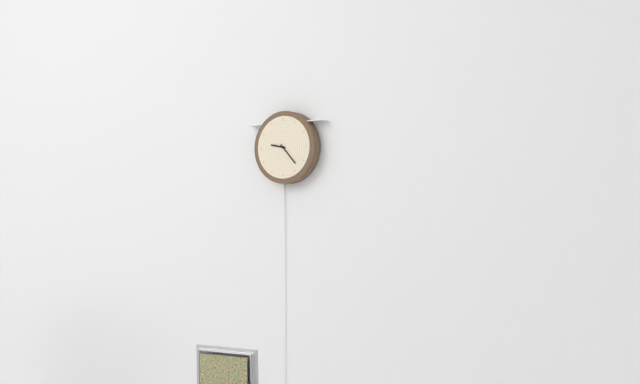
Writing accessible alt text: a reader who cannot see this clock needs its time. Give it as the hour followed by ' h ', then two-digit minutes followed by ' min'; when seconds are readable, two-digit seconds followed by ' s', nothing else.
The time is 9 h 23 min
